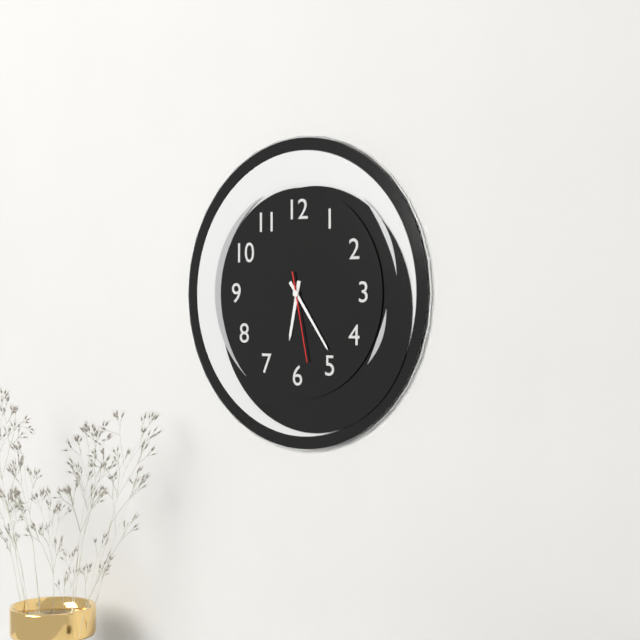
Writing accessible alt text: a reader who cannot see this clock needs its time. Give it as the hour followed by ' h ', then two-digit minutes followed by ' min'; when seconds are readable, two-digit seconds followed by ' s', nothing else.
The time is 6 h 24 min 28 s
